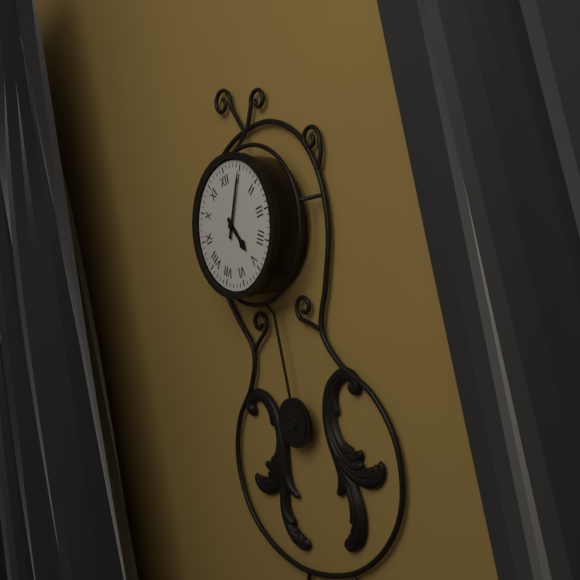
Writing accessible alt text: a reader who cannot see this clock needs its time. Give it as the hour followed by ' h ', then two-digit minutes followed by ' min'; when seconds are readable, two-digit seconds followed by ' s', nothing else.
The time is 5 h 05 min
